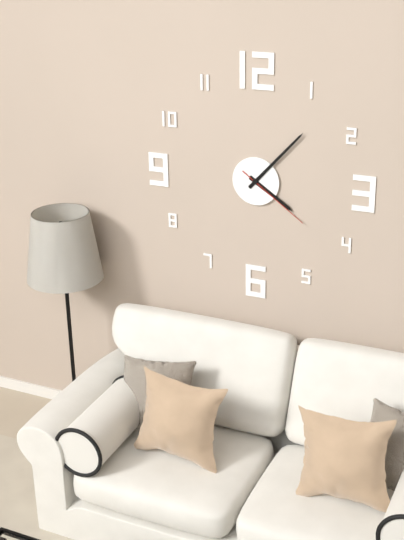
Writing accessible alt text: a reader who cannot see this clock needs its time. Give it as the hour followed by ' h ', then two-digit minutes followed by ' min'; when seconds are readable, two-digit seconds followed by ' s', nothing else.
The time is 4 h 07 min 21 s
